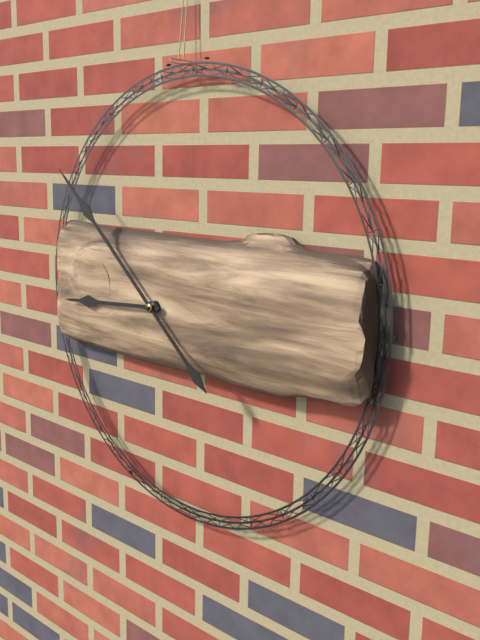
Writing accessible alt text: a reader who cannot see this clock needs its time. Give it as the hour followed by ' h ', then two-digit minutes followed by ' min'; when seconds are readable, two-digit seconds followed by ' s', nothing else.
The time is 8 h 52 min
